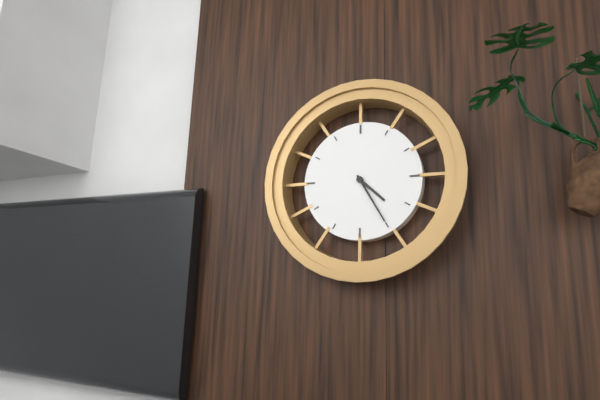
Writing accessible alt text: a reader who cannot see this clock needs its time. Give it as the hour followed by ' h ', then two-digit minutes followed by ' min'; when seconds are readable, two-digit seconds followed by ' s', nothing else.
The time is 4 h 25 min
